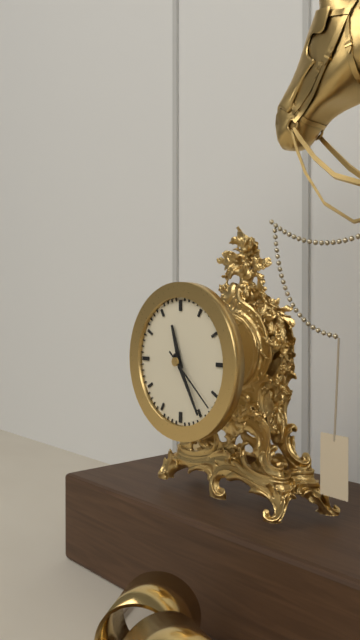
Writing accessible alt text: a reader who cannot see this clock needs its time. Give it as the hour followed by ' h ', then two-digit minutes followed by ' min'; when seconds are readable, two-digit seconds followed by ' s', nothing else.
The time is 11 h 25 min 22 s
